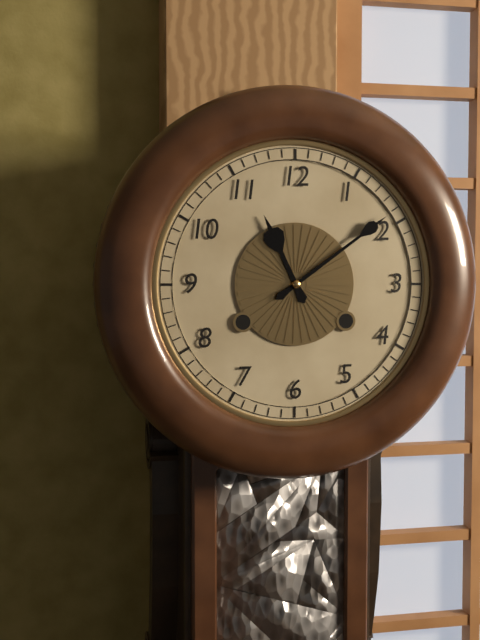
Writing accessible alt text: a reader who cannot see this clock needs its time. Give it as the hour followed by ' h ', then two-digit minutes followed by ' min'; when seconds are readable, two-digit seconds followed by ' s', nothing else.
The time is 11 h 09 min
